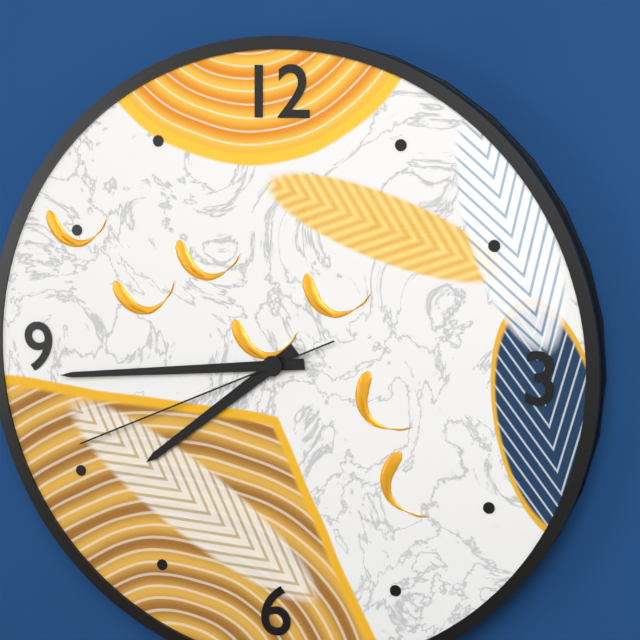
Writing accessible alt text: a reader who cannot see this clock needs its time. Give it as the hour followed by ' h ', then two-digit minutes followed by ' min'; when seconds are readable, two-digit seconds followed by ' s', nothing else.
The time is 7 h 44 min 41 s
